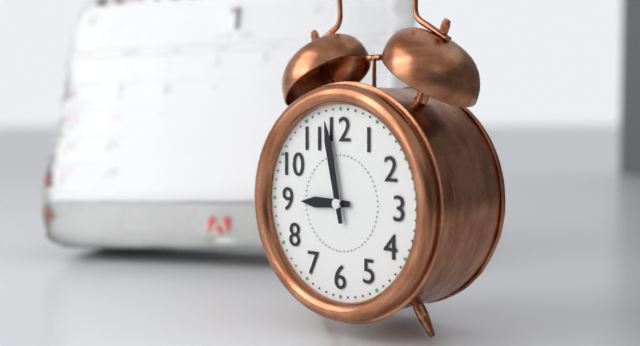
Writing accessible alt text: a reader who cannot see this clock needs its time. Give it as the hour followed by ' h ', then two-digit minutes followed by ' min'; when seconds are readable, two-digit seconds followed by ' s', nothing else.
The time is 8 h 58 min
